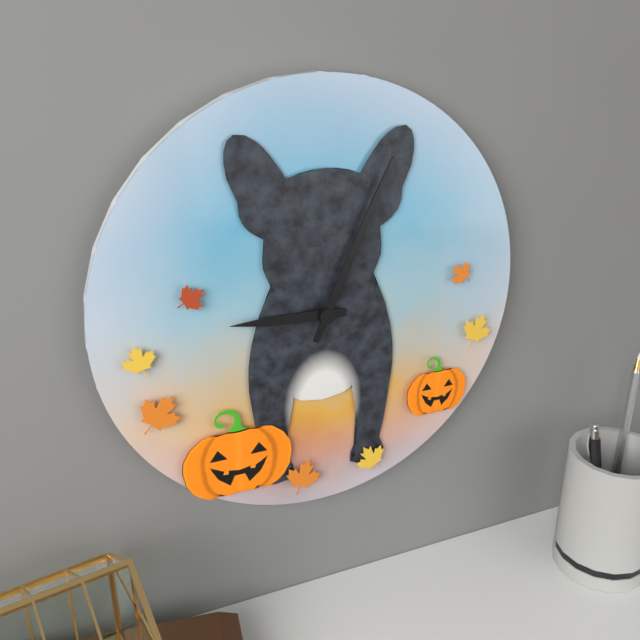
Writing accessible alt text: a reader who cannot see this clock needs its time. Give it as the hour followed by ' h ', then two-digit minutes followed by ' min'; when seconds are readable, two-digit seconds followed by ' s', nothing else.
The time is 9 h 04 min
